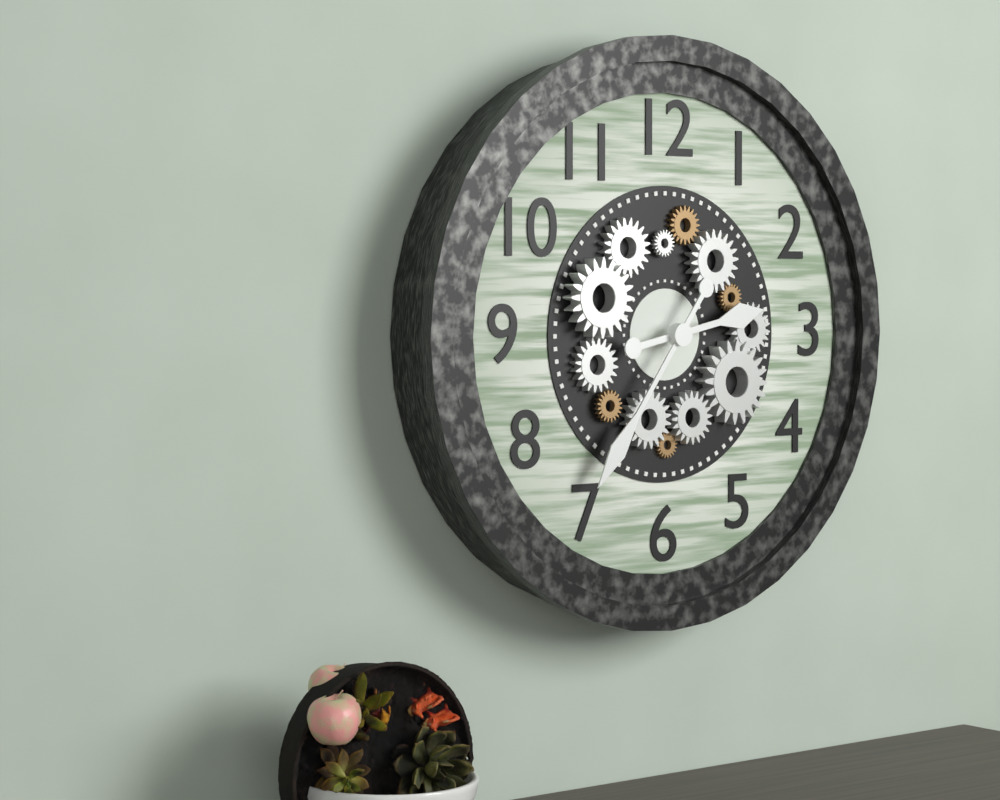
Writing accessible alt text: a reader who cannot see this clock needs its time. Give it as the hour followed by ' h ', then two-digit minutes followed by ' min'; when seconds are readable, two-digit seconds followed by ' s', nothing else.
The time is 2 h 36 min
